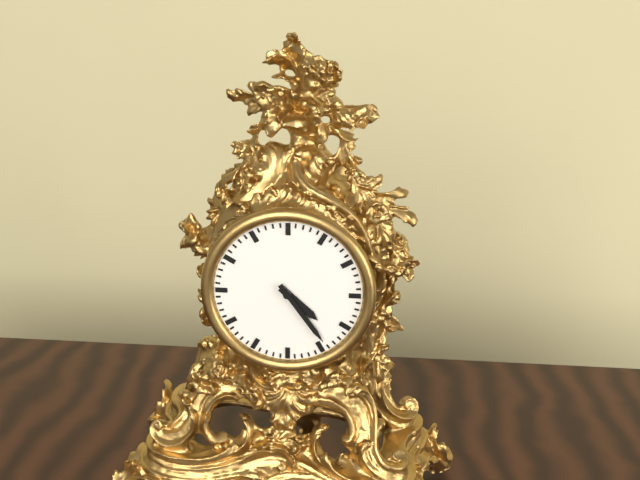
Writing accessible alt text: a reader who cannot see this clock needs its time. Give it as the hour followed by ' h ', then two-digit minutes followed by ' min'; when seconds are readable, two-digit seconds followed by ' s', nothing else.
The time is 4 h 24 min
